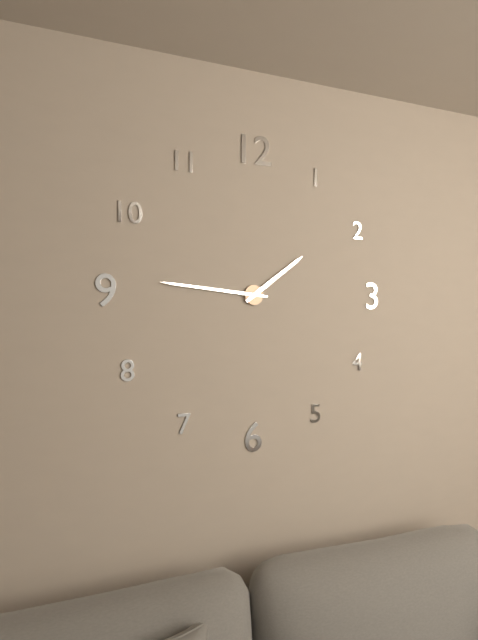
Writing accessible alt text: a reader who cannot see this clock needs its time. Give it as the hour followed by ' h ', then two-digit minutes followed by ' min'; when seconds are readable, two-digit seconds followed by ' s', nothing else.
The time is 1 h 46 min
